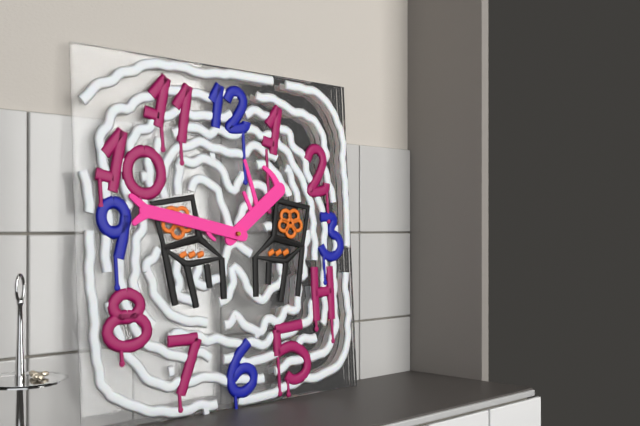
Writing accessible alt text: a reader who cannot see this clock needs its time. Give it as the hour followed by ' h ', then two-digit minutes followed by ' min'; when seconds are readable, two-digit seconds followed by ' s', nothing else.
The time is 1 h 47 min
